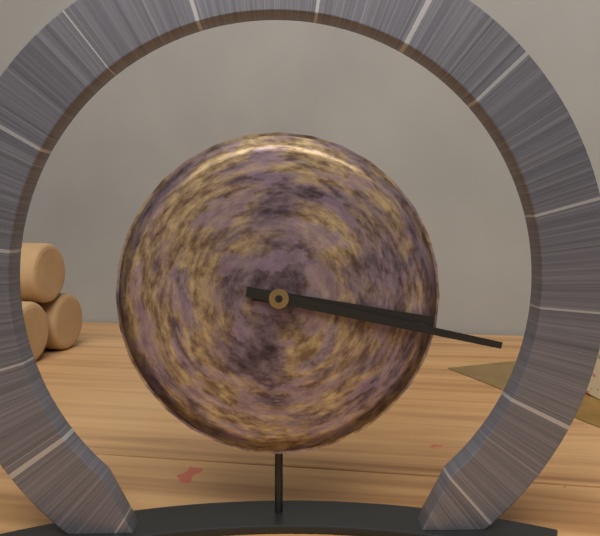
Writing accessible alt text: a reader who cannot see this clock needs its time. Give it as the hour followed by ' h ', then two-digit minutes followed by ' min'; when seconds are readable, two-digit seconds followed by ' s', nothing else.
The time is 3 h 17 min
